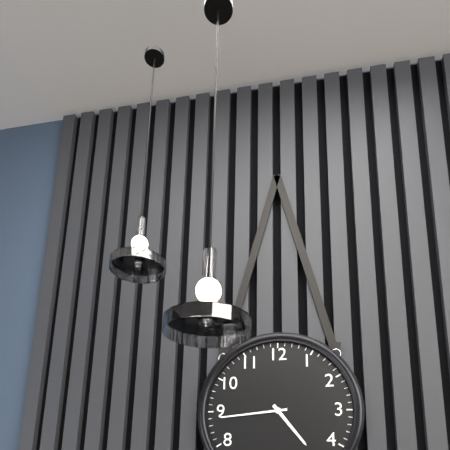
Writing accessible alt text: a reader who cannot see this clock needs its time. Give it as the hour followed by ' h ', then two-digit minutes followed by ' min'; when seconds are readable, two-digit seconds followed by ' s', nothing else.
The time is 4 h 44 min
